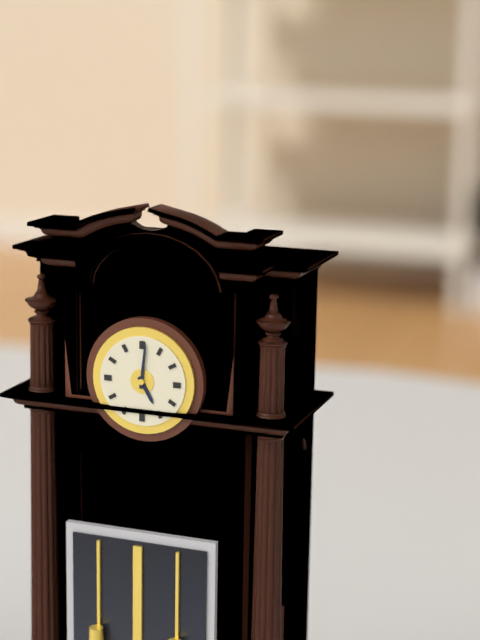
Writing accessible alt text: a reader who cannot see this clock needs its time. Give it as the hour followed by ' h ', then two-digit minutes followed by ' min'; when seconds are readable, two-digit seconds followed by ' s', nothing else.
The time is 5 h 01 min
